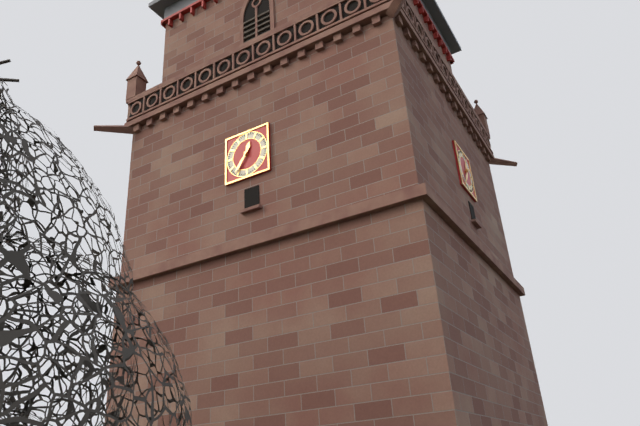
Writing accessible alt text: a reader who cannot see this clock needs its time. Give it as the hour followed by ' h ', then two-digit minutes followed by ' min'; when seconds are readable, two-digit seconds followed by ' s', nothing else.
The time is 12 h 36 min
